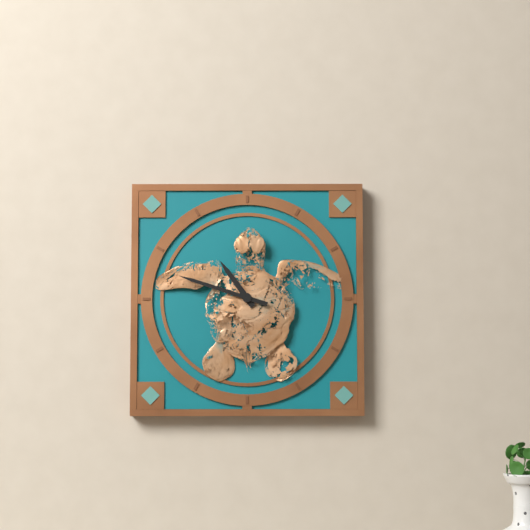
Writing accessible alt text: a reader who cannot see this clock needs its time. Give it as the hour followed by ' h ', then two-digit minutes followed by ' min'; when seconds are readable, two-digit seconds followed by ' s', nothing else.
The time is 10 h 48 min
